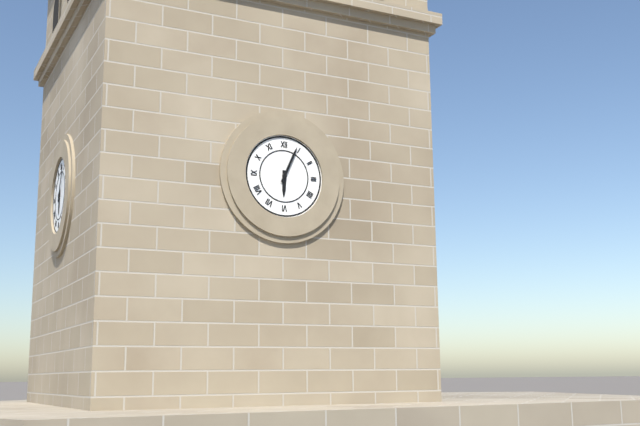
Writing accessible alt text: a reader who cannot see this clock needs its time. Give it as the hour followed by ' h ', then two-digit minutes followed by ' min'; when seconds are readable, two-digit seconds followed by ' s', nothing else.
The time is 6 h 04 min
